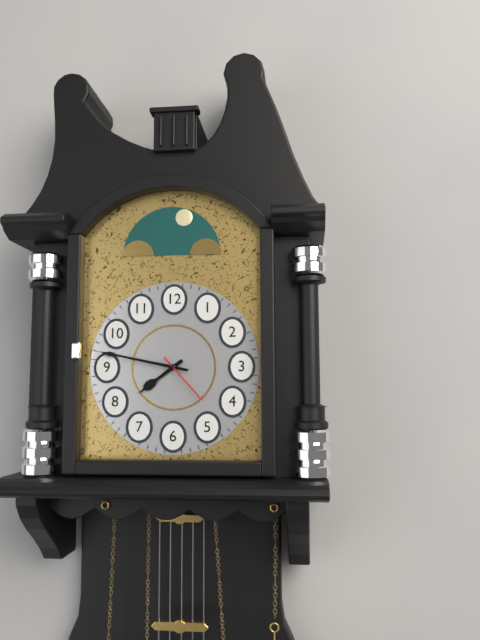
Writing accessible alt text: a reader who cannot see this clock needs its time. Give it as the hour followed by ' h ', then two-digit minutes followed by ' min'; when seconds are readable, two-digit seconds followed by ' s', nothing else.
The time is 7 h 47 min 23 s
